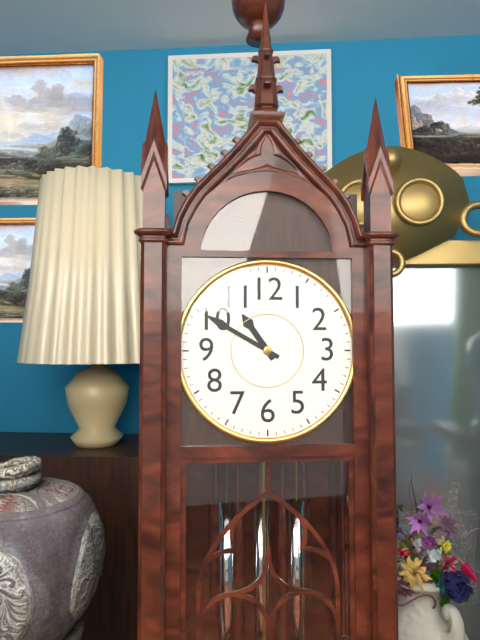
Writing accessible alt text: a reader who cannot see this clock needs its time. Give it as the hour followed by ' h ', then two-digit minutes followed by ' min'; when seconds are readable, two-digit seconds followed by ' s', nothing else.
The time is 10 h 50 min
